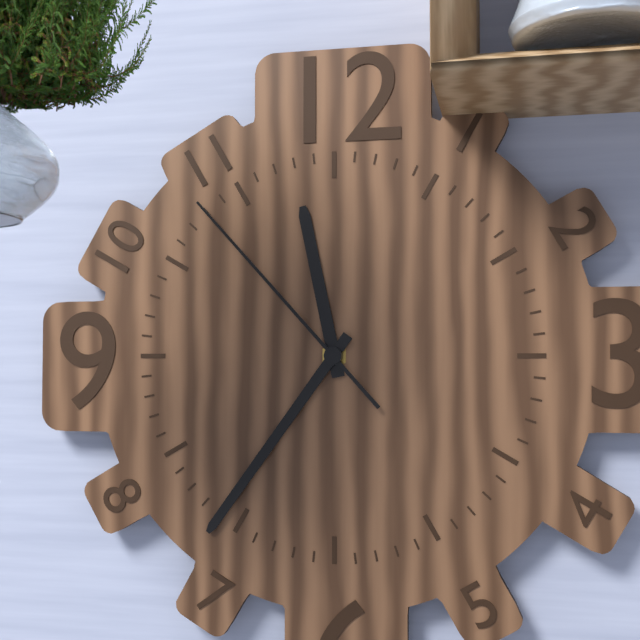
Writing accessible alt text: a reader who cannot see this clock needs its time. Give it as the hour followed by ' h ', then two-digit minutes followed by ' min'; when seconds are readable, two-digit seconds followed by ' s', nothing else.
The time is 11 h 36 min 53 s
